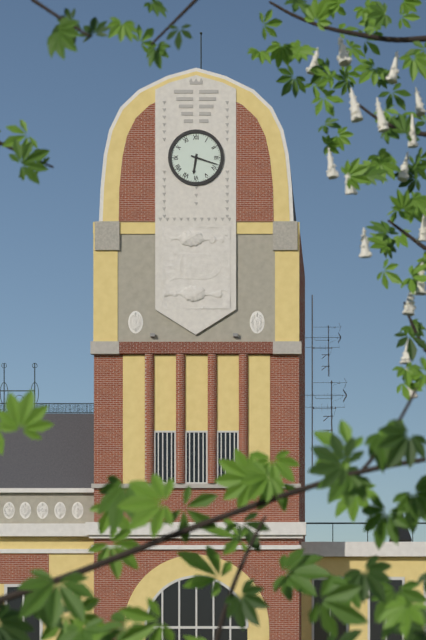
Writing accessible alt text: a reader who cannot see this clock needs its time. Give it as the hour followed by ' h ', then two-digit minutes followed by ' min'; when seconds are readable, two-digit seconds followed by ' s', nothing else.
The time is 6 h 18 min
